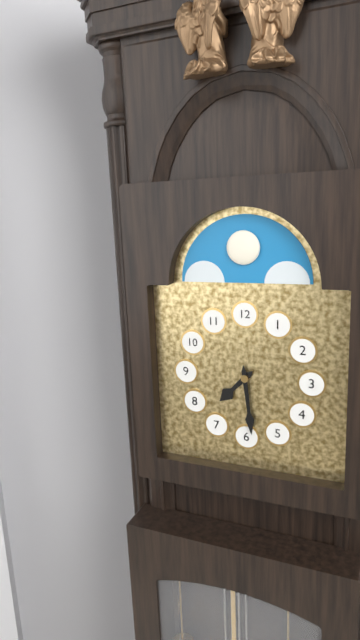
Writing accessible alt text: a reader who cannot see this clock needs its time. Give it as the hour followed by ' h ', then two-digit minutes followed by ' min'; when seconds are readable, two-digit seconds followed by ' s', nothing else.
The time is 7 h 29 min
